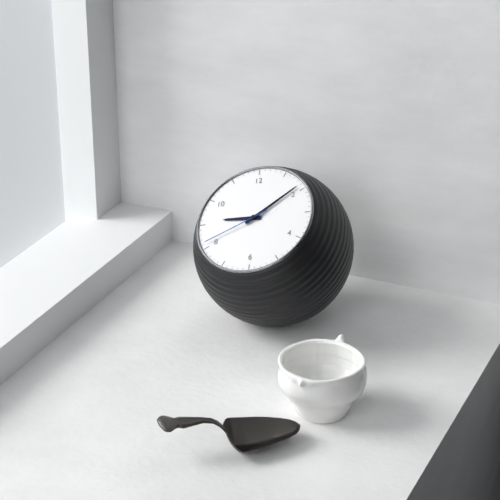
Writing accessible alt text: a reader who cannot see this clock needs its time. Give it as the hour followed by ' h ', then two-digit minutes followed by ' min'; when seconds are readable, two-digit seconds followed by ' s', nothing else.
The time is 9 h 09 min 41 s
